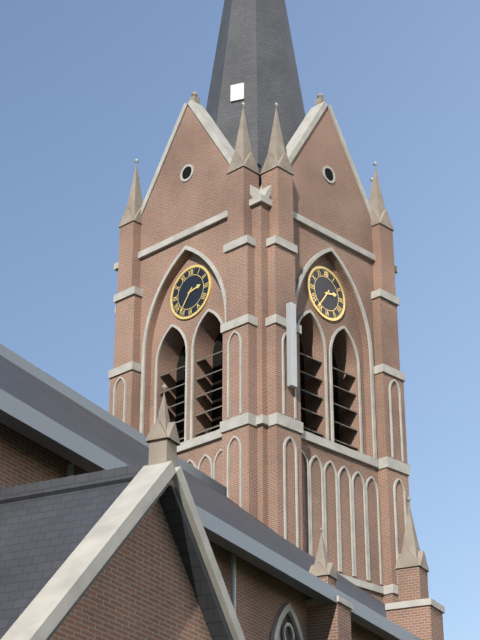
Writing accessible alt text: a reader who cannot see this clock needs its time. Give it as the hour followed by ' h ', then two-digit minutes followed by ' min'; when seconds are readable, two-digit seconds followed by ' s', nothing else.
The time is 2 h 36 min
